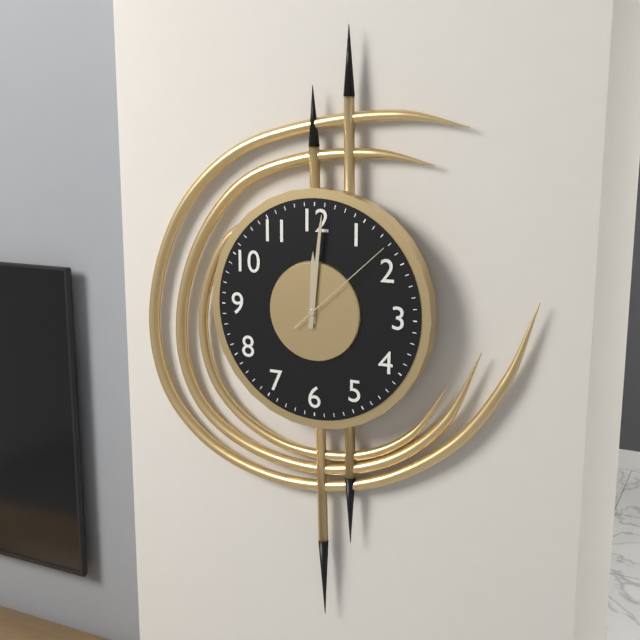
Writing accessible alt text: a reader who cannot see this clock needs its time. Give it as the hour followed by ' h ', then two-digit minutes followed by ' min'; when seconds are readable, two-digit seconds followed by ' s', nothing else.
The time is 12 h 01 min 08 s
